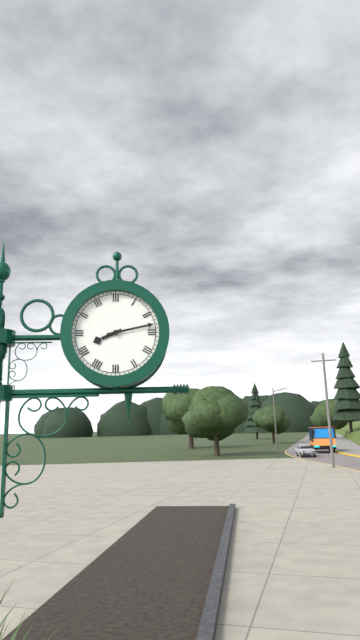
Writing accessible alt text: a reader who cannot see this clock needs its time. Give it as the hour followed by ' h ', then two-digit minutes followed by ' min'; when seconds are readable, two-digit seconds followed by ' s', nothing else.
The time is 8 h 13 min
